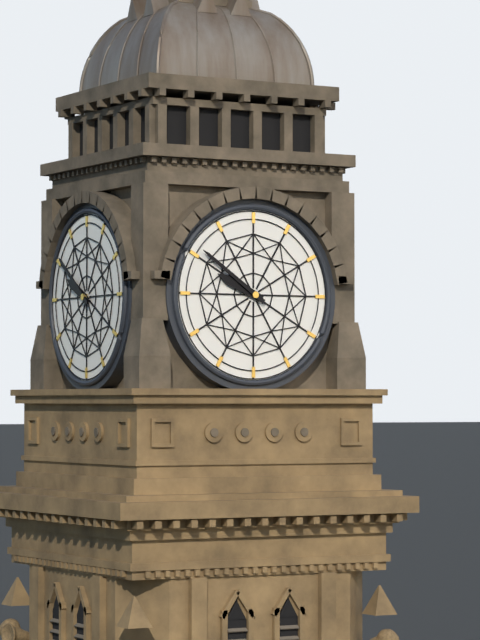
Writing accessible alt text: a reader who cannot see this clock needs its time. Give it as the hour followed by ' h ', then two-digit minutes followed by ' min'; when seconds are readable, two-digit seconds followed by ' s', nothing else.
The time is 9 h 51 min
